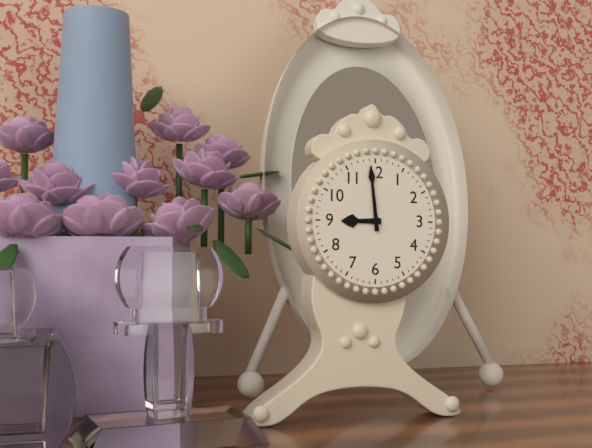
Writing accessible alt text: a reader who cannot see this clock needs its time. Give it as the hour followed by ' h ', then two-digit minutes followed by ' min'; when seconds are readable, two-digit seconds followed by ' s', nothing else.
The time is 8 h 59 min
